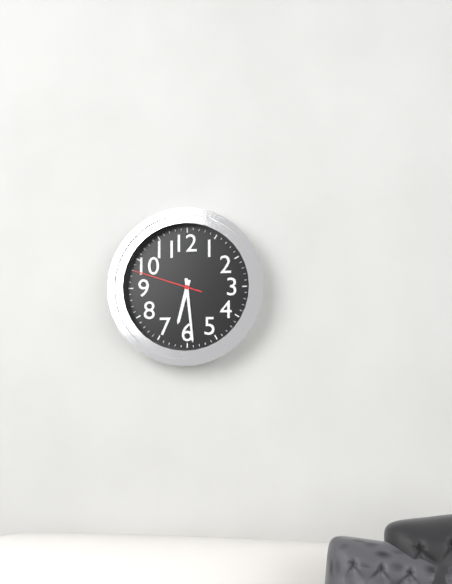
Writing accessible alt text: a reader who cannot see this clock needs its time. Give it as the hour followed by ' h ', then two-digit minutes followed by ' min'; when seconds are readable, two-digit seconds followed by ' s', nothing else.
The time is 6 h 29 min 48 s
